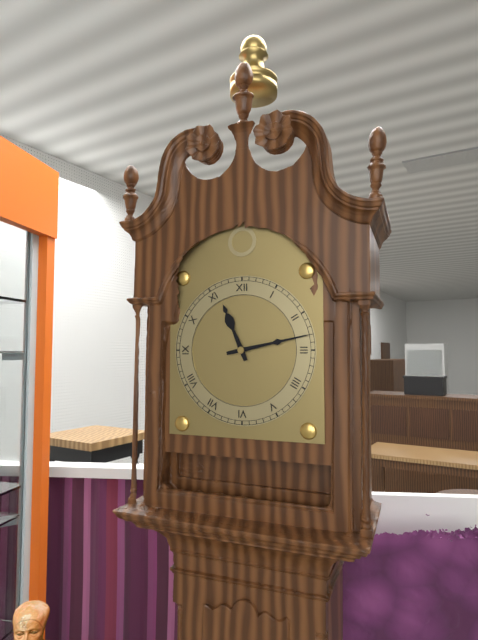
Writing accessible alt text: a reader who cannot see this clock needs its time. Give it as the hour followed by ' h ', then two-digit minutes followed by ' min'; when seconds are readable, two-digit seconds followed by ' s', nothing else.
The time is 11 h 13 min
